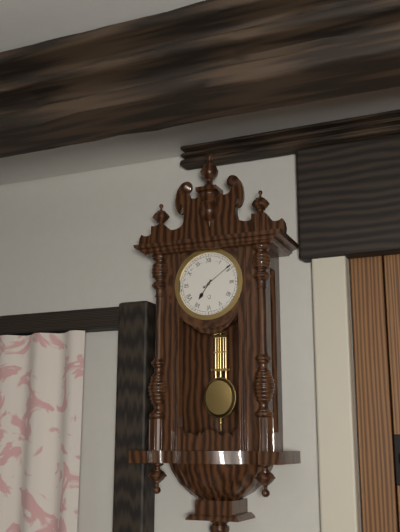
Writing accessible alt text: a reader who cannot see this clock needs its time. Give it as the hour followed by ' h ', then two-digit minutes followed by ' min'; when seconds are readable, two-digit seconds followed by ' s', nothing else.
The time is 7 h 09 min
